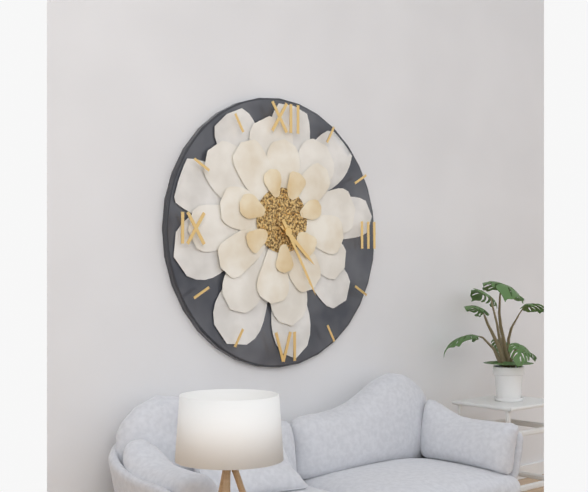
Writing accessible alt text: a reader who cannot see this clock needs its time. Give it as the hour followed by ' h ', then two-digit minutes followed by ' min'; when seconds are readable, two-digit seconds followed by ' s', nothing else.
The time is 4 h 25 min
